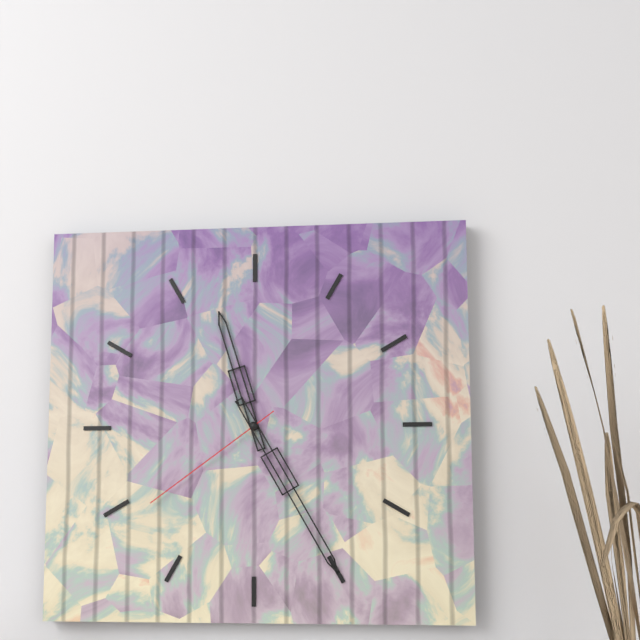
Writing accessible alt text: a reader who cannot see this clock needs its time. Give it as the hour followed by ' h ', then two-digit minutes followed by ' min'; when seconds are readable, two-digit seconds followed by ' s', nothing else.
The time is 11 h 25 min 39 s
